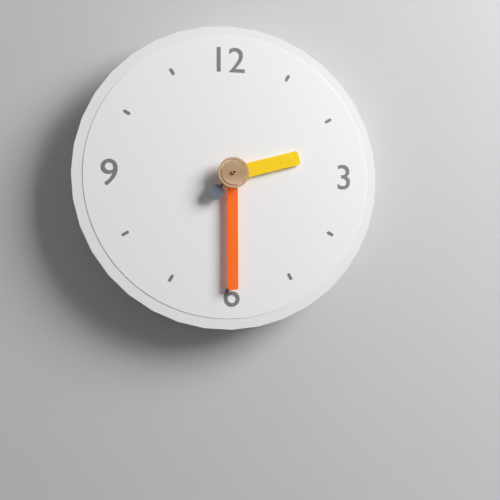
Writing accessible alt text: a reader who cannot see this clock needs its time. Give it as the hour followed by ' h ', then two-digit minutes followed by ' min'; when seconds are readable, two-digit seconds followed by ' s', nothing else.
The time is 2 h 30 min
